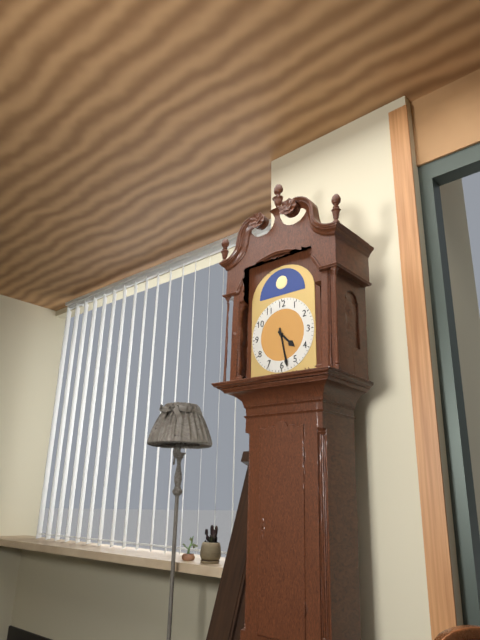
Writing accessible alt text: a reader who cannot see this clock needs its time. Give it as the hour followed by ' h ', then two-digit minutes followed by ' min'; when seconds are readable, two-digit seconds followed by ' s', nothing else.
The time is 4 h 28 min
